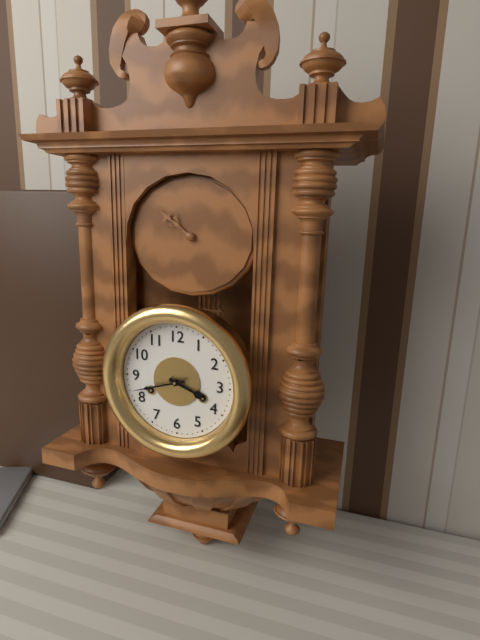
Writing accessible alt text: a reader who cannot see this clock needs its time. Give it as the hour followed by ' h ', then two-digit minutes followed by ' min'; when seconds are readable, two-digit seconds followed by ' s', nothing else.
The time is 3 h 42 min
